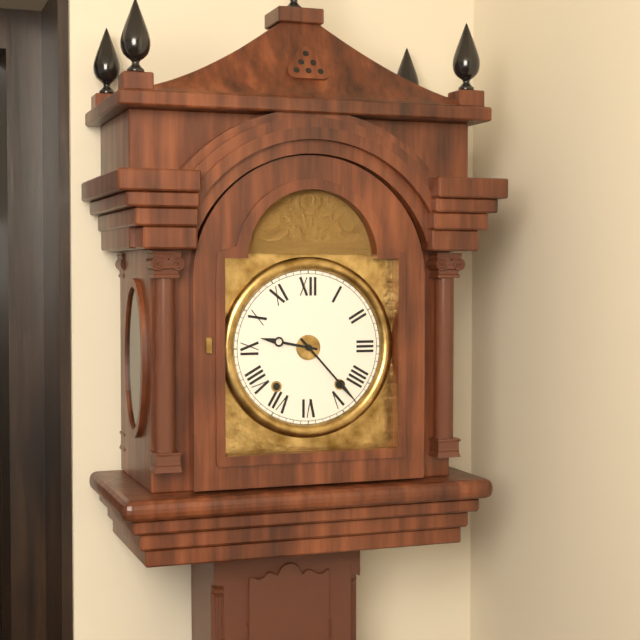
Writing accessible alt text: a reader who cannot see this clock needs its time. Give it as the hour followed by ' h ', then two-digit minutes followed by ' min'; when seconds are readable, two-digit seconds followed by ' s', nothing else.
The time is 9 h 23 min
